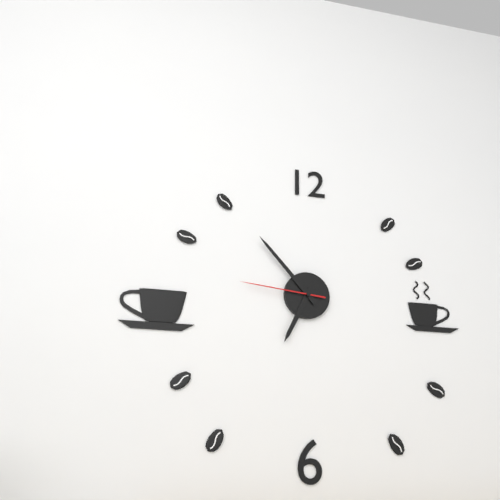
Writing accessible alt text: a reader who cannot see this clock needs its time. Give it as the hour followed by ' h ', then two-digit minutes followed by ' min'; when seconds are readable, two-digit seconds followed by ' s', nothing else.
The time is 6 h 53 min 46 s
